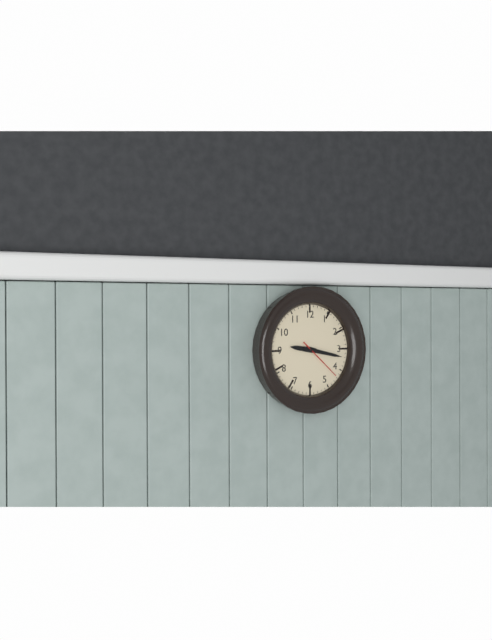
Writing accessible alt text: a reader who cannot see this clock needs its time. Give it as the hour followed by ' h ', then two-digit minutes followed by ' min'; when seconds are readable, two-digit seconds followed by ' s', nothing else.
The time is 9 h 17 min
